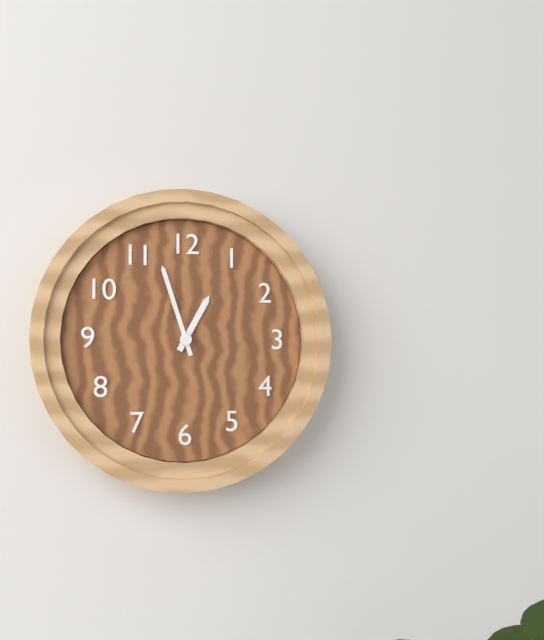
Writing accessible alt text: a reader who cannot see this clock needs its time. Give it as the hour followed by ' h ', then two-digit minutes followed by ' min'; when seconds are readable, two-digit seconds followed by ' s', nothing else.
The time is 12 h 57 min
